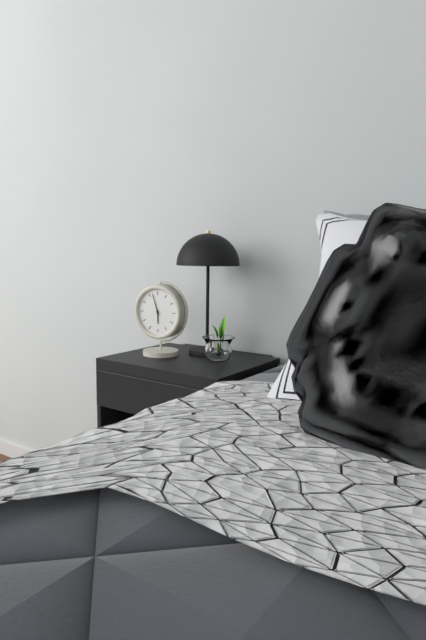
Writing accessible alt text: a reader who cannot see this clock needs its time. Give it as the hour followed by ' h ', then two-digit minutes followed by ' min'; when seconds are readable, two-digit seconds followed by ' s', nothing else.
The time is 5 h 57 min
